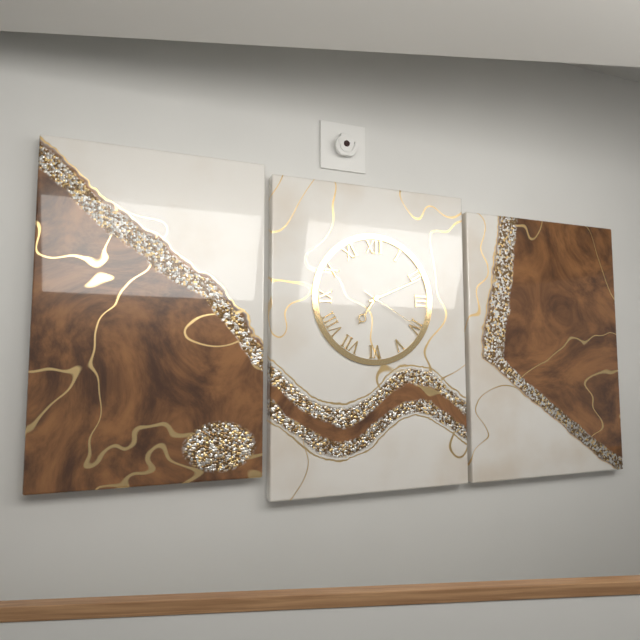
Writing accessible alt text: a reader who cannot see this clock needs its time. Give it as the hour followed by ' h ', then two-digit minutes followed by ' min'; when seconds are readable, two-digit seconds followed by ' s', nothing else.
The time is 7 h 11 min 20 s
